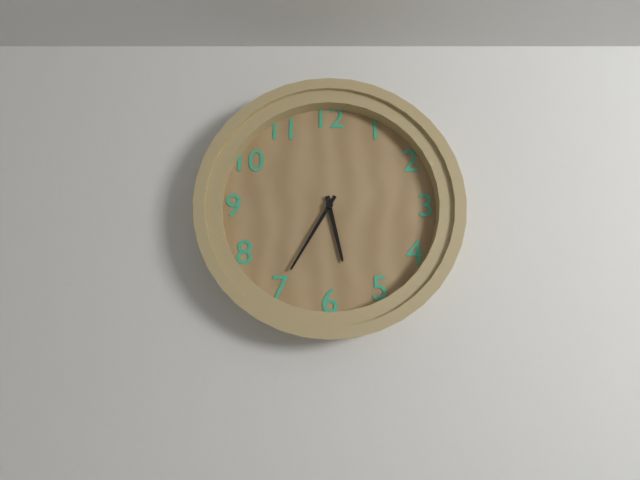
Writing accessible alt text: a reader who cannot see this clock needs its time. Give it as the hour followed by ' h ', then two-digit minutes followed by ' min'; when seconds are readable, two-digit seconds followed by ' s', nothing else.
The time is 5 h 35 min
